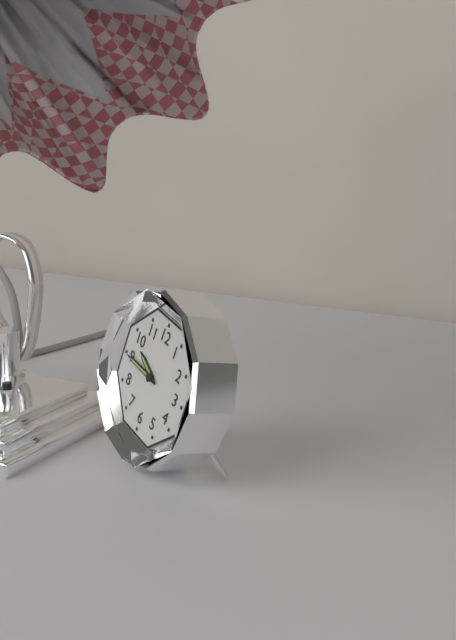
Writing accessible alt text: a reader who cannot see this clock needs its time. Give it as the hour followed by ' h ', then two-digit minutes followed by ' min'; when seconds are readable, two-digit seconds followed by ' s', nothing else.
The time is 9 h 45 min
